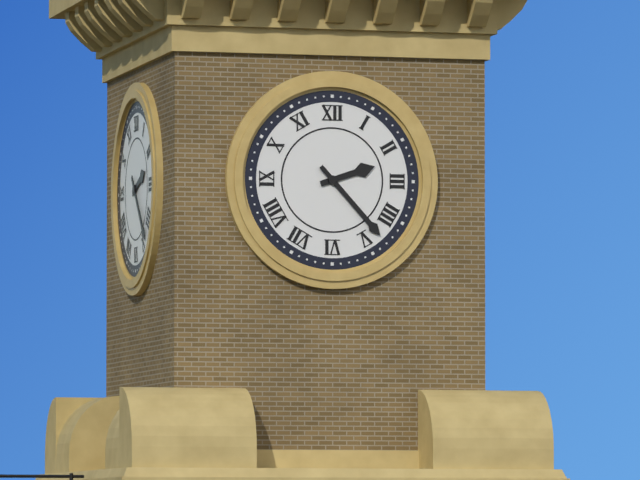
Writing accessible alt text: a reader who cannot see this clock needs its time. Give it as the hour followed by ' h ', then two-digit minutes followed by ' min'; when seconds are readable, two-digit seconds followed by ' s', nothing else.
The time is 2 h 23 min
